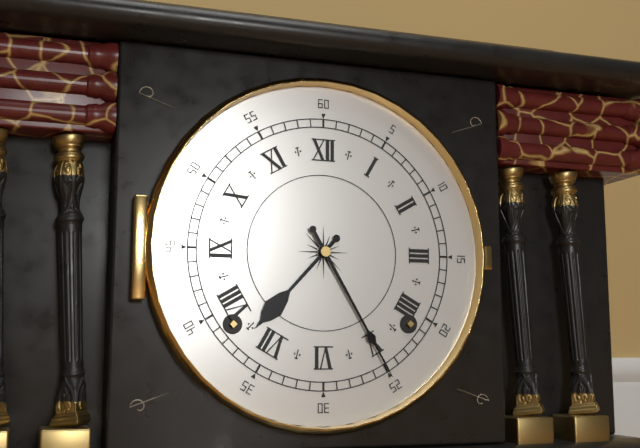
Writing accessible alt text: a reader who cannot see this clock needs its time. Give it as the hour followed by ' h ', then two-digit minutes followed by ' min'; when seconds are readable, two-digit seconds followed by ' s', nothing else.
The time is 7 h 25 min
